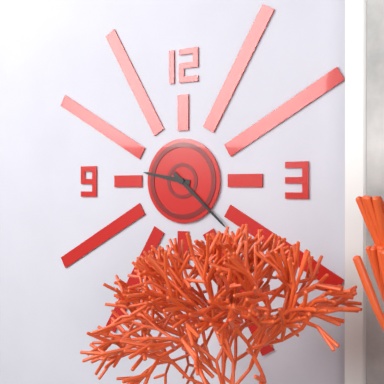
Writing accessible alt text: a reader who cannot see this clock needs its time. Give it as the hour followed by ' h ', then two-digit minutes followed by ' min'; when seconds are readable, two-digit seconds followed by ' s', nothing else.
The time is 9 h 22 min
